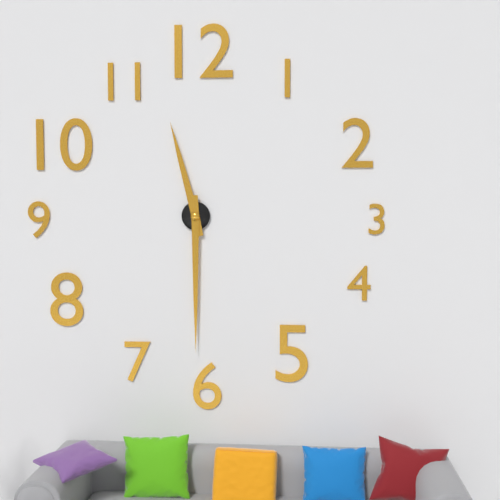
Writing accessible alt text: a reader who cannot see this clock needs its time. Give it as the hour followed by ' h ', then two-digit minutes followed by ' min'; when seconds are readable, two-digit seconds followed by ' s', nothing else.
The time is 11 h 30 min
